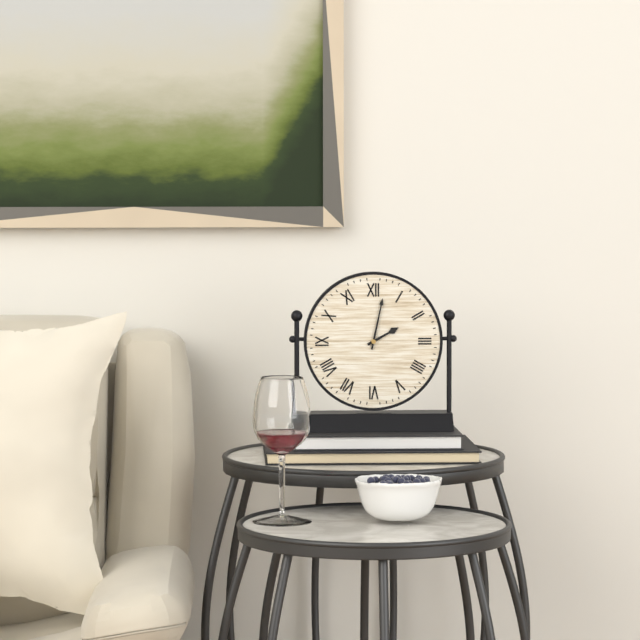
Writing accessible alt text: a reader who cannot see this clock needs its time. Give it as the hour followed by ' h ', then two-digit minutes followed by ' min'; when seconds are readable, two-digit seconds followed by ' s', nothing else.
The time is 2 h 02 min
